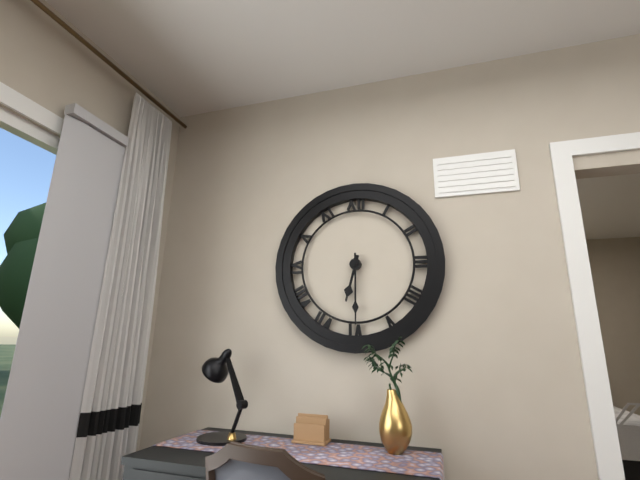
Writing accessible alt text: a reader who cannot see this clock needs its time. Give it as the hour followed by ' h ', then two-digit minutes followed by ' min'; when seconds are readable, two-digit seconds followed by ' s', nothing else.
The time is 6 h 30 min
